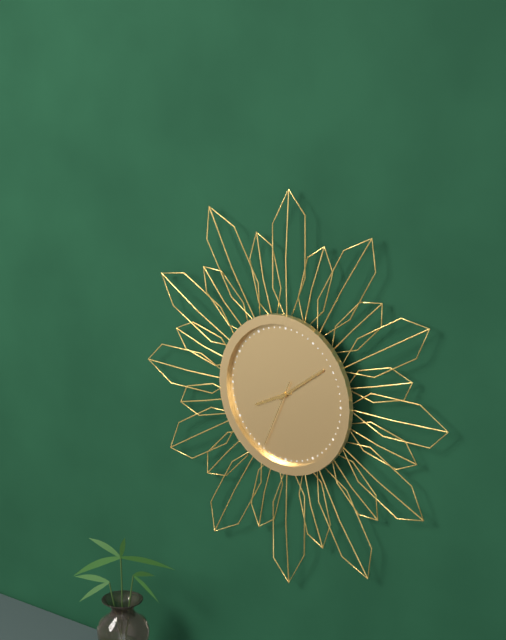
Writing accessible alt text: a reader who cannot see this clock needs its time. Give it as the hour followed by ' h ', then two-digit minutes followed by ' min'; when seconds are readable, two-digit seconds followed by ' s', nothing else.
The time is 8 h 09 min 34 s
